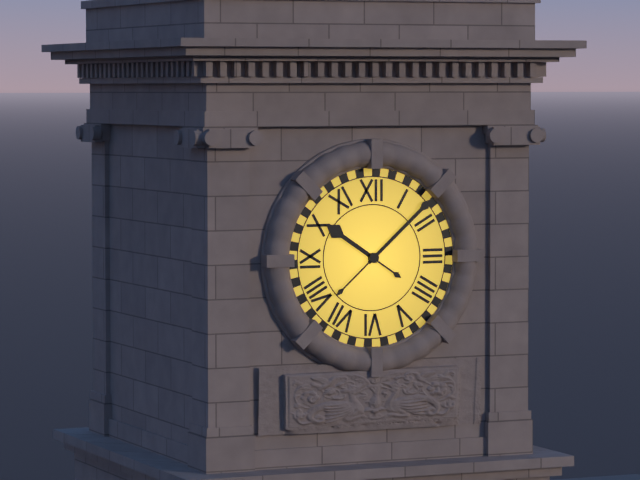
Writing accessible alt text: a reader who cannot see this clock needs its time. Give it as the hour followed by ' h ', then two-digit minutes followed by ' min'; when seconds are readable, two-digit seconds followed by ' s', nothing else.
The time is 10 h 08 min
